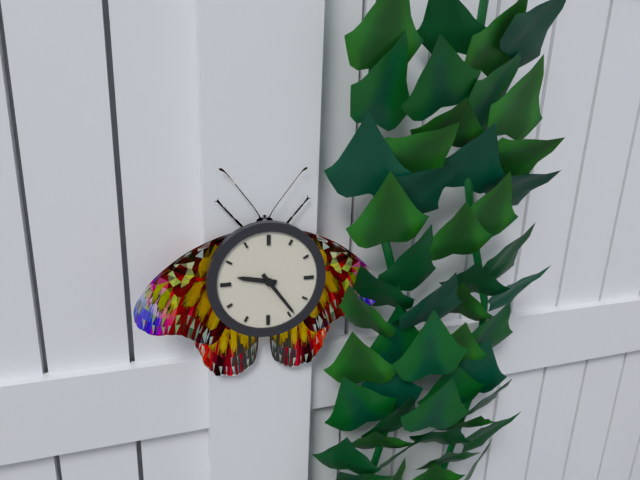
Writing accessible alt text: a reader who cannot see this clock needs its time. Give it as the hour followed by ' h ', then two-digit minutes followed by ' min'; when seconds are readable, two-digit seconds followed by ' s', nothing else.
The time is 9 h 24 min
